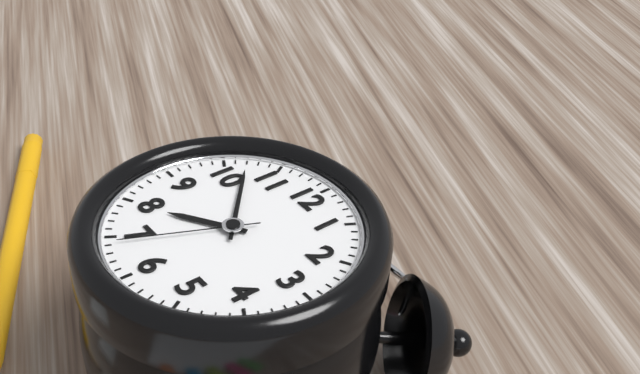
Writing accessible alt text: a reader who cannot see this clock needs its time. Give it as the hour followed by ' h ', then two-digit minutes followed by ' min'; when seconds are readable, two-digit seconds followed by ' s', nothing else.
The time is 7 h 52 min 34 s
